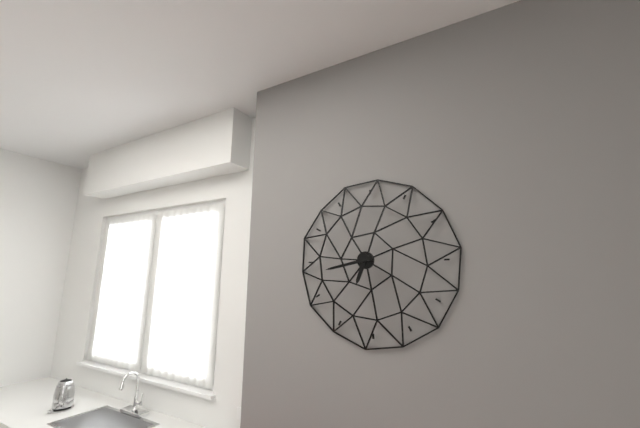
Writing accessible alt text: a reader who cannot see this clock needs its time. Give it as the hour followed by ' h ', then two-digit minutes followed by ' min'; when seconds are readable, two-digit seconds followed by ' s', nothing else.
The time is 6 h 43 min
